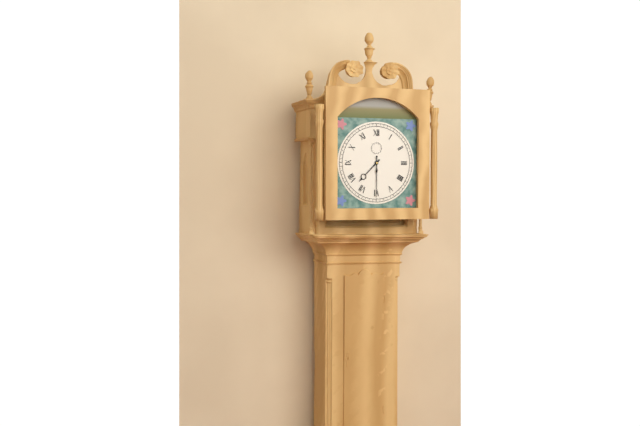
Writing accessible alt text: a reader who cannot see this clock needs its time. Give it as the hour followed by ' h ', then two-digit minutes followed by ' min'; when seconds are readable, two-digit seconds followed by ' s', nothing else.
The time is 7 h 30 min
